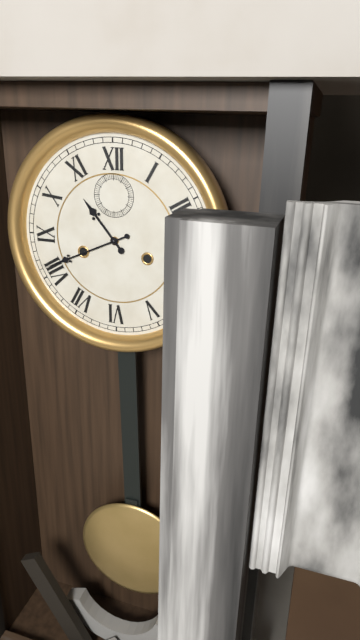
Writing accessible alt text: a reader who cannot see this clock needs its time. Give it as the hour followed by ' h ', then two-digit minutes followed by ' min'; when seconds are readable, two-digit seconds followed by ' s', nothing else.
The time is 10 h 41 min
